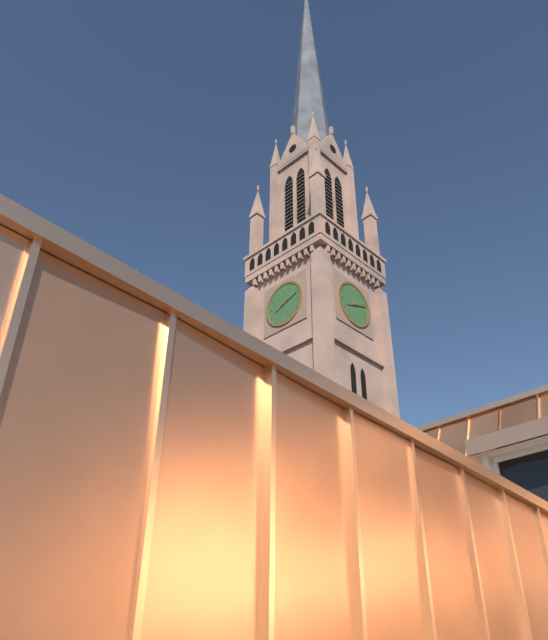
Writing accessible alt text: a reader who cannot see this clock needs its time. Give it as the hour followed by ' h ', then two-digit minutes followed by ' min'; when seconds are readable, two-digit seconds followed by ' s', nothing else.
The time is 8 h 12 min
